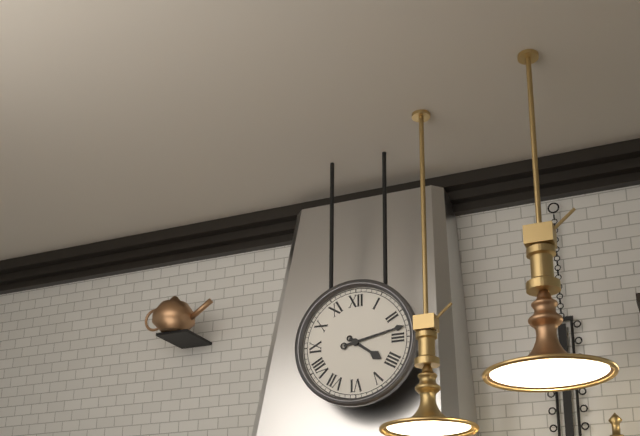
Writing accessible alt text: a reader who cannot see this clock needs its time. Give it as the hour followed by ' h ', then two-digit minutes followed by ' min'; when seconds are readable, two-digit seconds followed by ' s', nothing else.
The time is 4 h 13 min
